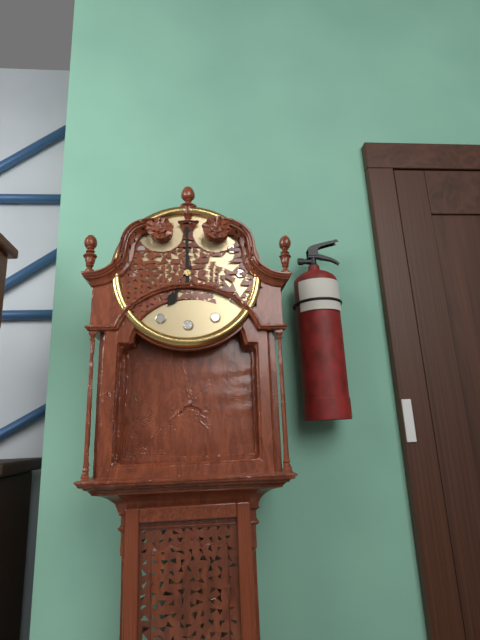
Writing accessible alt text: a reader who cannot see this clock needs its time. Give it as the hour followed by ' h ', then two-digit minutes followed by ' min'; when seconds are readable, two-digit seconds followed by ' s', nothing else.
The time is 7 h 00 min
